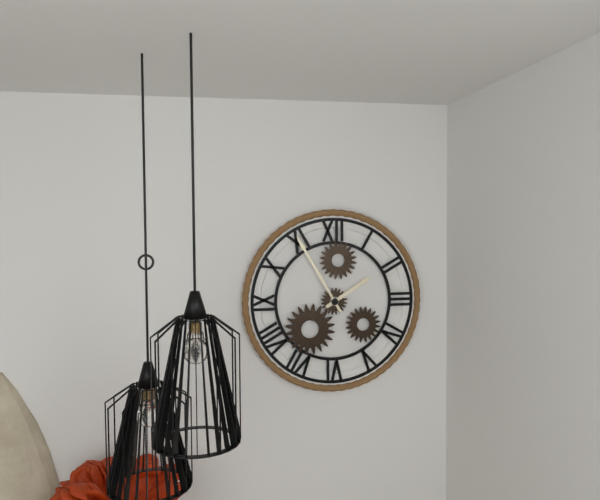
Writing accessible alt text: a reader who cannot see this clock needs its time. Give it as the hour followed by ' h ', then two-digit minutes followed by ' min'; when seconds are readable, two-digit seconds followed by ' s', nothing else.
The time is 1 h 55 min
